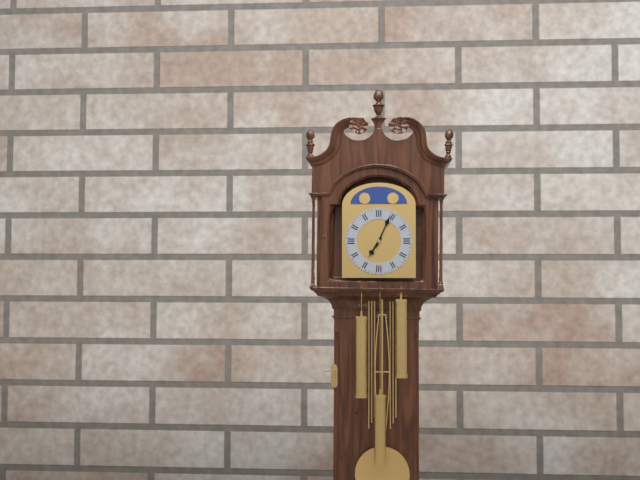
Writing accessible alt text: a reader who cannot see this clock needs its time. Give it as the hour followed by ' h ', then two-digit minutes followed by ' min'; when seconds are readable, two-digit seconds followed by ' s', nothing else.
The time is 7 h 04 min
